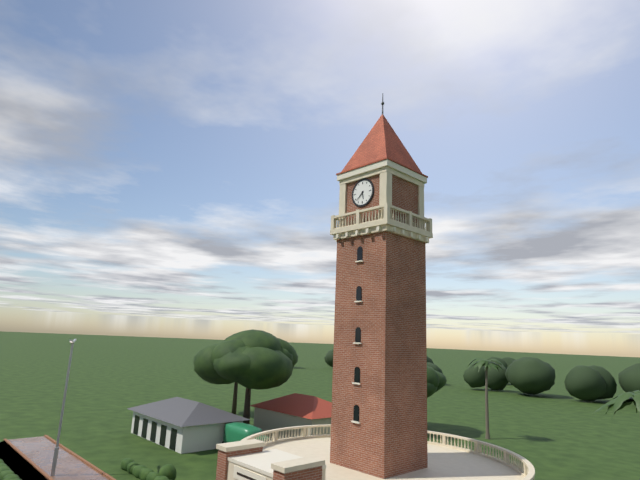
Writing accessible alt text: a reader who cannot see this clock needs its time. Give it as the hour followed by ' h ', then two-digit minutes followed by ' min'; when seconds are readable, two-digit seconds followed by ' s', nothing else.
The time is 5 h 38 min
